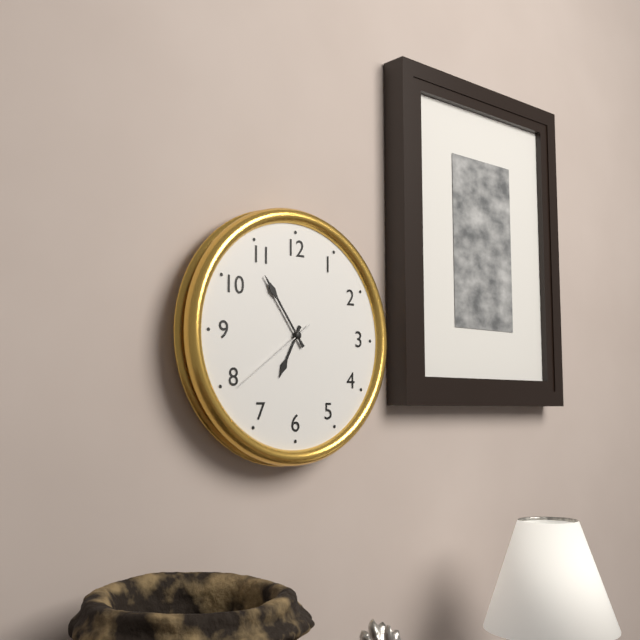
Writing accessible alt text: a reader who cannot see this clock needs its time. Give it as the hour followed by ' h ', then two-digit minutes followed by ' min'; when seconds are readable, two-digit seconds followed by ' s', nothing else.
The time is 6 h 54 min 39 s
